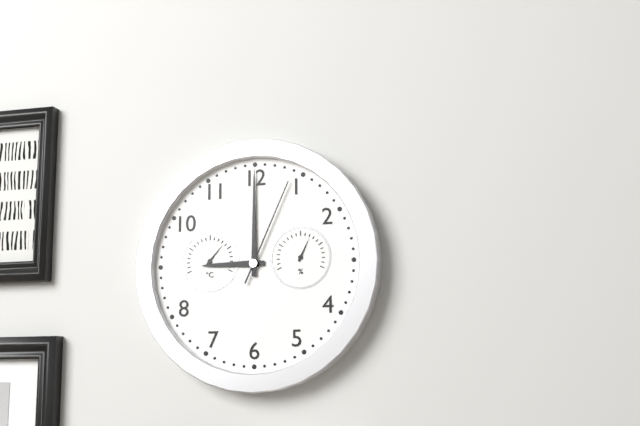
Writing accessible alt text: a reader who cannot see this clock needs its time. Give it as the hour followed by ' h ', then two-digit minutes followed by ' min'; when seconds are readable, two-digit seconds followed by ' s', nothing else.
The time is 9 h 00 min 04 s
